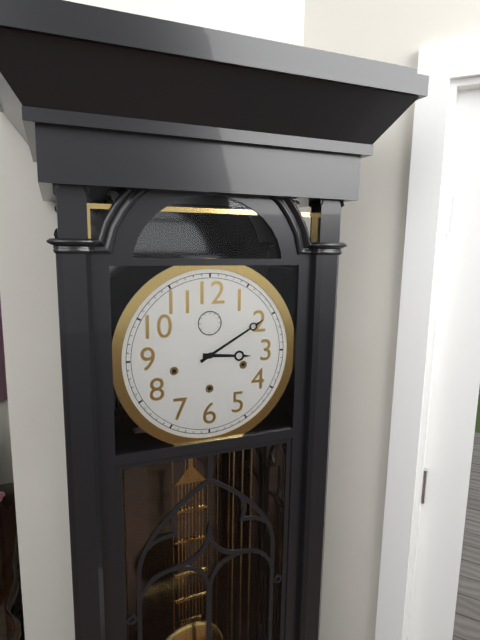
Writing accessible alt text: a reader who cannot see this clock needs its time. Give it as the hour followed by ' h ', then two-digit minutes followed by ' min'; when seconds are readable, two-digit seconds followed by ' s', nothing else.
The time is 3 h 10 min
